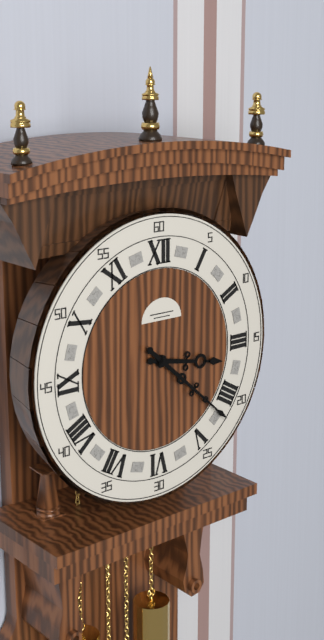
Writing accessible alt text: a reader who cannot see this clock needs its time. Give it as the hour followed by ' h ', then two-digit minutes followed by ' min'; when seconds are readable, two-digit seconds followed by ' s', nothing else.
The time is 3 h 22 min
